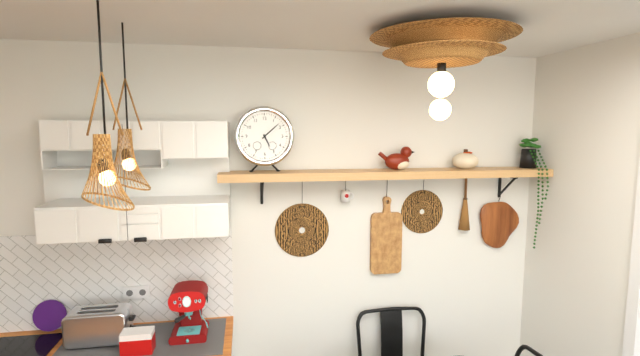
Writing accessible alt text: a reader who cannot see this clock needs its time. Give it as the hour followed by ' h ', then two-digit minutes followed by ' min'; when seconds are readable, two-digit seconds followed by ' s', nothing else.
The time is 5 h 08 min
